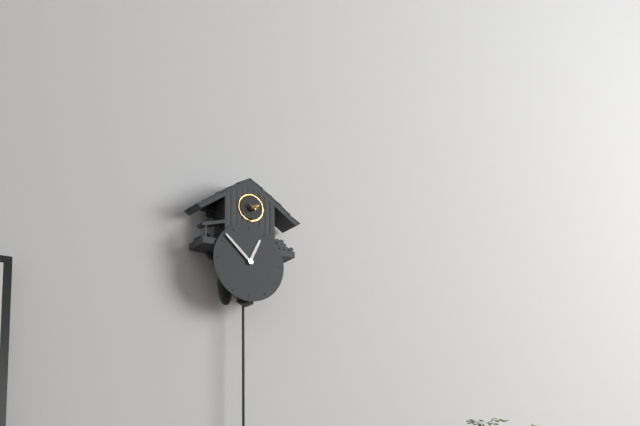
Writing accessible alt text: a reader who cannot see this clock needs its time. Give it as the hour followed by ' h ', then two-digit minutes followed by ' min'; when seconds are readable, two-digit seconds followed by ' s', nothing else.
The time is 12 h 52 min
